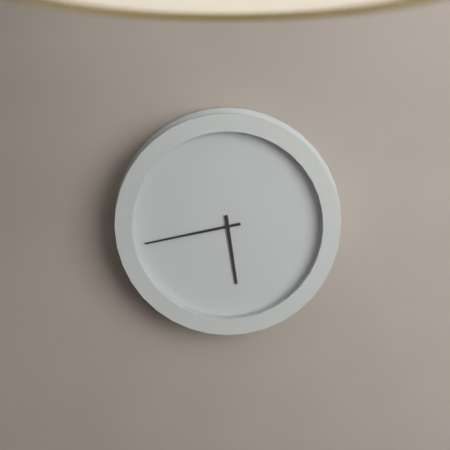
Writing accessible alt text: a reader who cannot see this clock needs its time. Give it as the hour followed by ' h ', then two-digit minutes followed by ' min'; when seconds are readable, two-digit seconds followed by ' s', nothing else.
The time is 5 h 43 min
